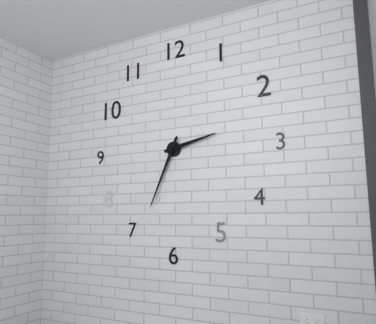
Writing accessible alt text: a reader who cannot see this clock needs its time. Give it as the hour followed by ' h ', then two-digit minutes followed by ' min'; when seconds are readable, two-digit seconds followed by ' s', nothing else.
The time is 2 h 34 min
